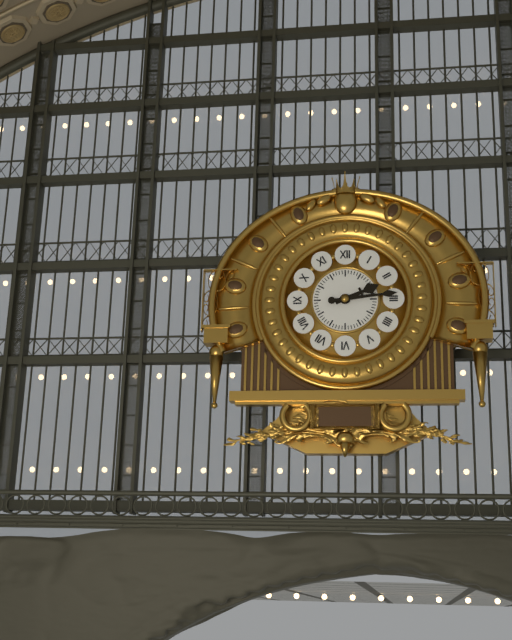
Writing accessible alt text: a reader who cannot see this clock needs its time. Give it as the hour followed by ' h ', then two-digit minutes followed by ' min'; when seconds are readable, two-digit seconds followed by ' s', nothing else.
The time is 2 h 14 min
